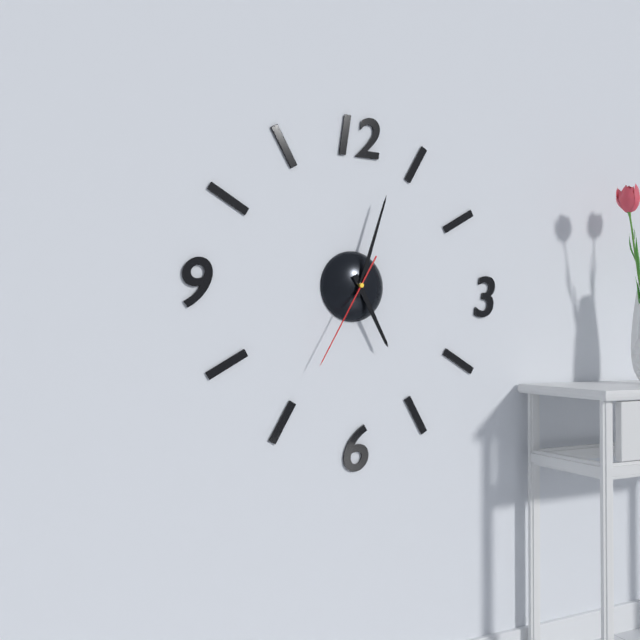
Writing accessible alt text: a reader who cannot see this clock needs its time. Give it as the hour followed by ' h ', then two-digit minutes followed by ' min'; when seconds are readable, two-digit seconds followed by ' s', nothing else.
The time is 5 h 03 min 35 s
